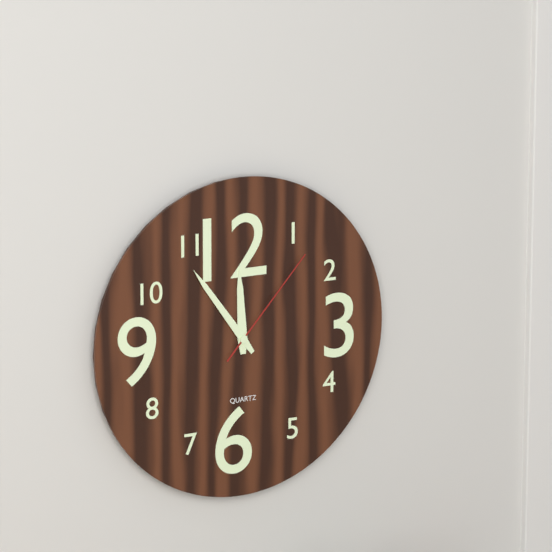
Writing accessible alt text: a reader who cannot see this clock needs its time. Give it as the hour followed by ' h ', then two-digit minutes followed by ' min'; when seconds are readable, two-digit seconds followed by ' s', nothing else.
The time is 11 h 54 min 07 s
